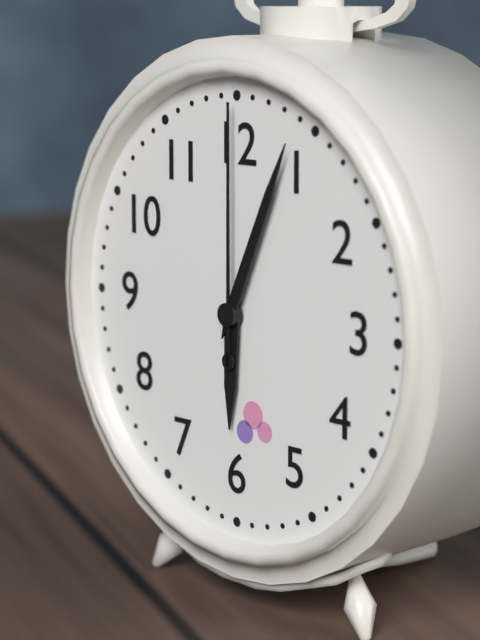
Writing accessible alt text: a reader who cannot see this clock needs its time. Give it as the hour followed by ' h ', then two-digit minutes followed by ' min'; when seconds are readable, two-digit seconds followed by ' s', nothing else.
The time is 6 h 04 min 00 s
